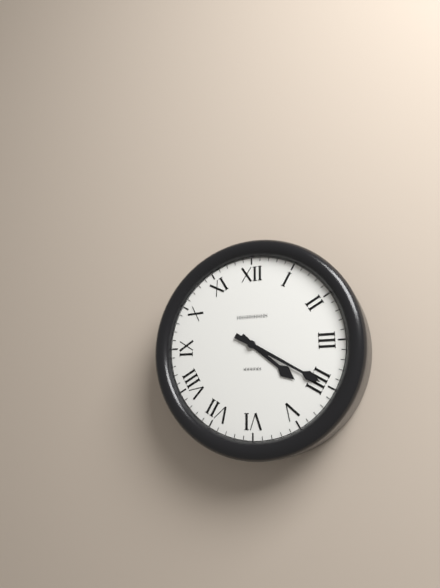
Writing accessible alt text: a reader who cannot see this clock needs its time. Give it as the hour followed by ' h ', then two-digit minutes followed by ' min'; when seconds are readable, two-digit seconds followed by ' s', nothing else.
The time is 4 h 20 min
